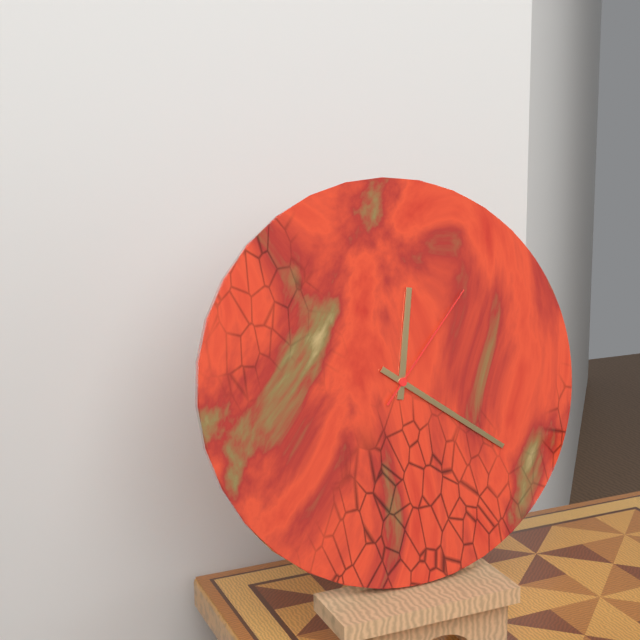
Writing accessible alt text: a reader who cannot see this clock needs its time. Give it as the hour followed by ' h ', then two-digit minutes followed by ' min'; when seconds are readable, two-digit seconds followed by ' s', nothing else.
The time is 12 h 21 min 07 s
